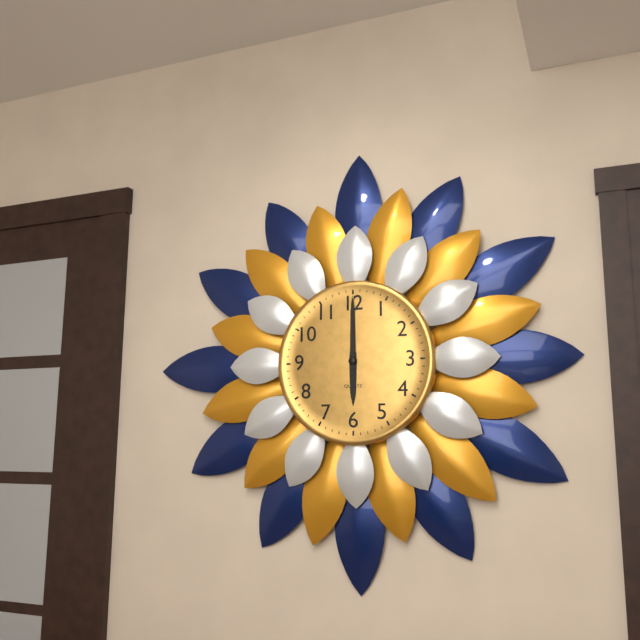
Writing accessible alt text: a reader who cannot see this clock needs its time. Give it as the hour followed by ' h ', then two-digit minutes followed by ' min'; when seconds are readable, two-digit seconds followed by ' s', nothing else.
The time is 6 h 00 min
